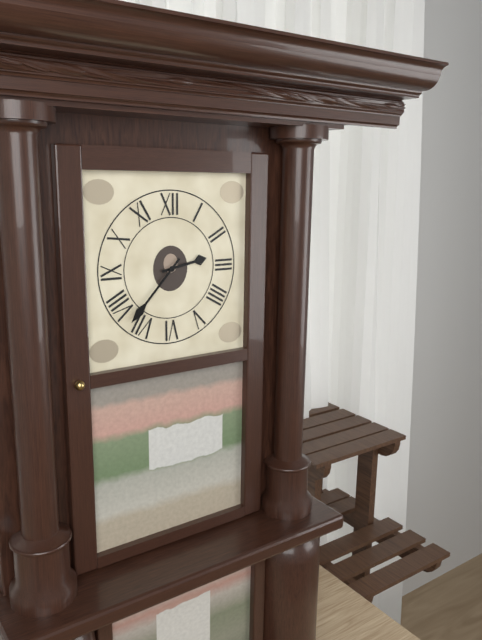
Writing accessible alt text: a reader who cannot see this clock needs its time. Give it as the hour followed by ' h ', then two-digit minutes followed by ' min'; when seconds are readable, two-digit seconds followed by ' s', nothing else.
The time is 2 h 37 min
